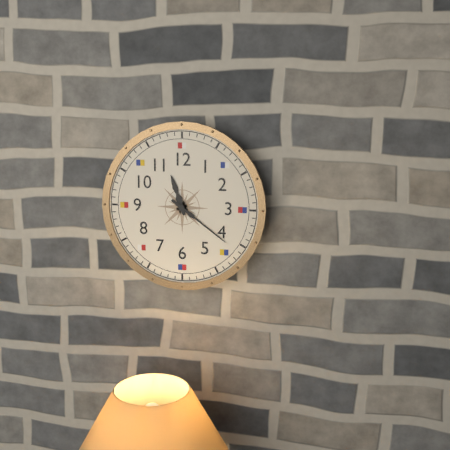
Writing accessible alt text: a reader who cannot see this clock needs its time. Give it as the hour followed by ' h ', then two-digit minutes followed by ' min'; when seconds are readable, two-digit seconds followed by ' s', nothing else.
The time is 11 h 21 min
